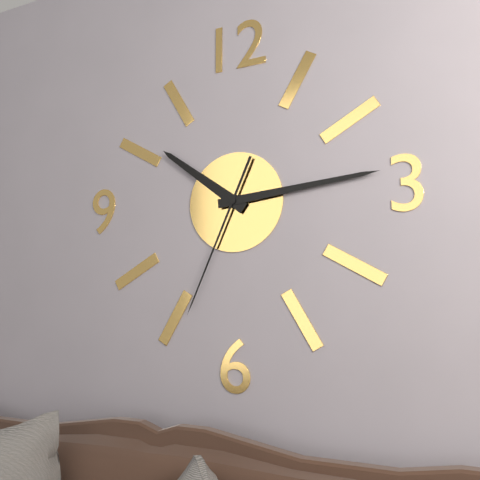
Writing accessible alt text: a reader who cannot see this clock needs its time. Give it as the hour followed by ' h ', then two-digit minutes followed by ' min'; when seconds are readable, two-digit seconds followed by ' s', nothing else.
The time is 10 h 14 min 34 s
